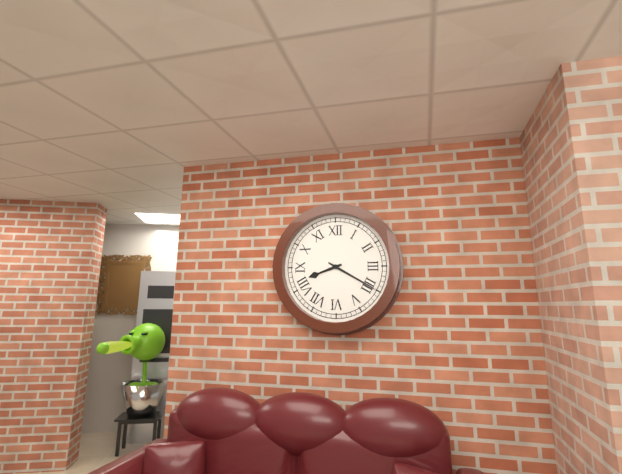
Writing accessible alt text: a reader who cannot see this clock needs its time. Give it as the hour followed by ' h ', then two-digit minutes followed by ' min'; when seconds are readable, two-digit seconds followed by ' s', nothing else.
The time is 8 h 20 min
